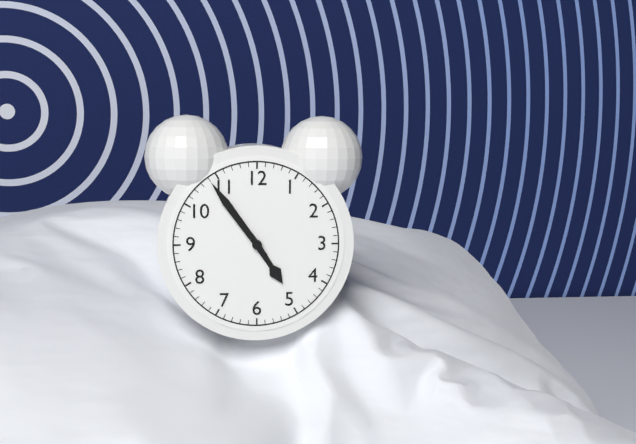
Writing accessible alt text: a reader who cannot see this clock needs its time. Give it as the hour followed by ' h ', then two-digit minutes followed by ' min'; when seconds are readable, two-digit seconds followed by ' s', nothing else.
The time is 4 h 54 min
